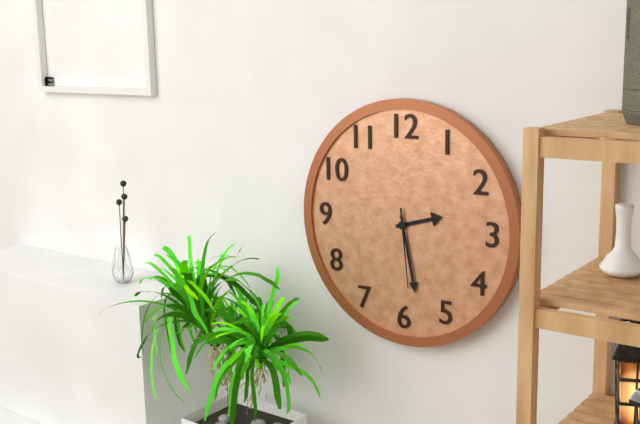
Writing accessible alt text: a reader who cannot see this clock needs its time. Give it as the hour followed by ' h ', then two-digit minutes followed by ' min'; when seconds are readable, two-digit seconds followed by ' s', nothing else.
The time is 2 h 28 min 29 s
